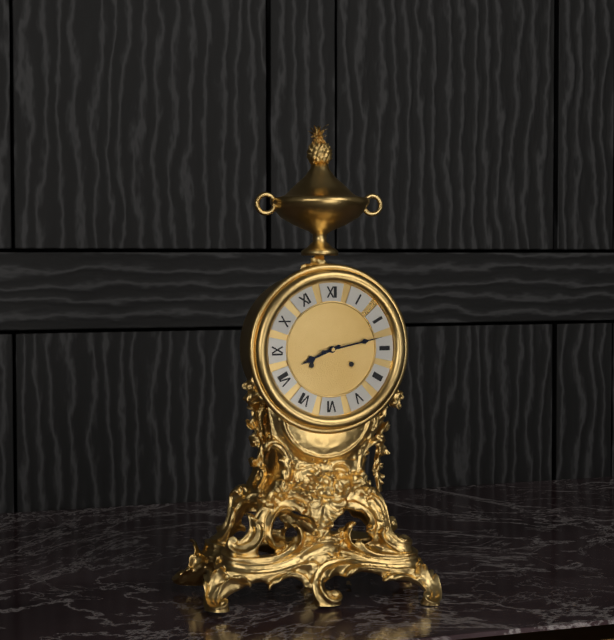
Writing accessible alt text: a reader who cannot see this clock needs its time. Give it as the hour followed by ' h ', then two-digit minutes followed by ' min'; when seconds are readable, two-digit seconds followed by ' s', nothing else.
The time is 8 h 13 min
